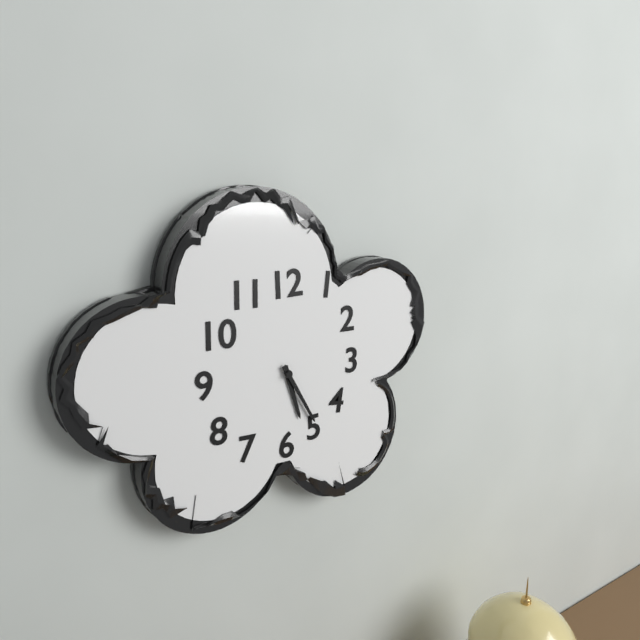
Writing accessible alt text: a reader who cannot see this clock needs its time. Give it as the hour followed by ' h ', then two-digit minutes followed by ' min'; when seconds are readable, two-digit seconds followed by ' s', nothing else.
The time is 5 h 25 min
